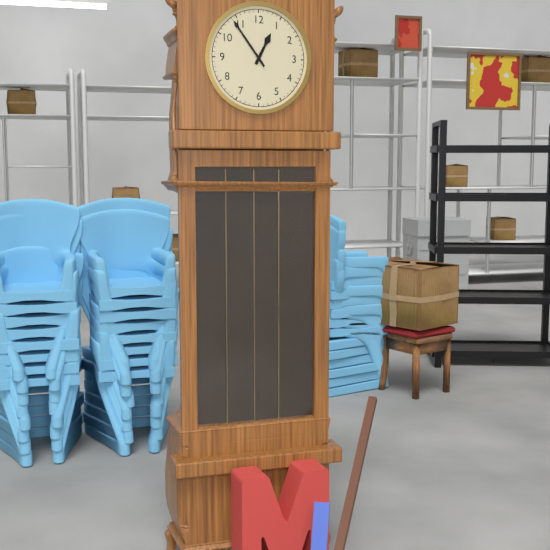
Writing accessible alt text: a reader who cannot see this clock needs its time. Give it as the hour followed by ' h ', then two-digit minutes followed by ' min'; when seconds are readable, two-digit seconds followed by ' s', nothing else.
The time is 12 h 54 min
